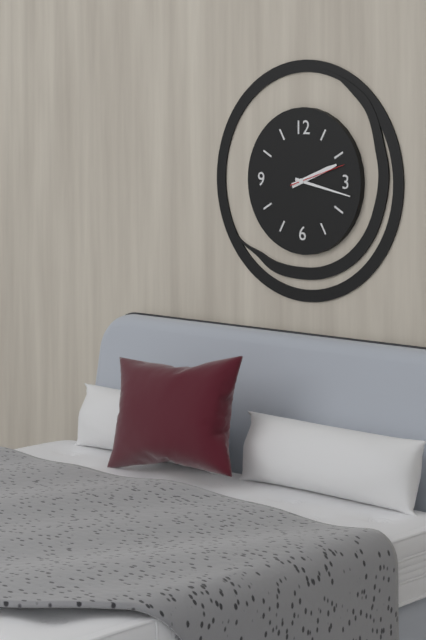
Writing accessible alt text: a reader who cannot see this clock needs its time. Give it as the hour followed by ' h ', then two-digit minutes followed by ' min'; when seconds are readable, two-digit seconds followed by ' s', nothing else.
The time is 2 h 17 min 12 s
